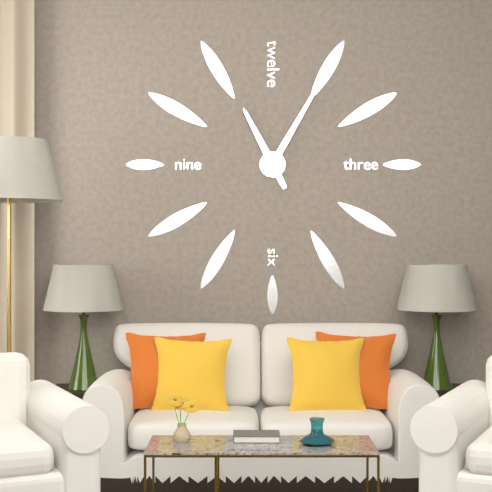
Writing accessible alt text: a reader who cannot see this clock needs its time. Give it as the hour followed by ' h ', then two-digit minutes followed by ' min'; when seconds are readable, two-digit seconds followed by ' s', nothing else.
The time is 11 h 05 min
